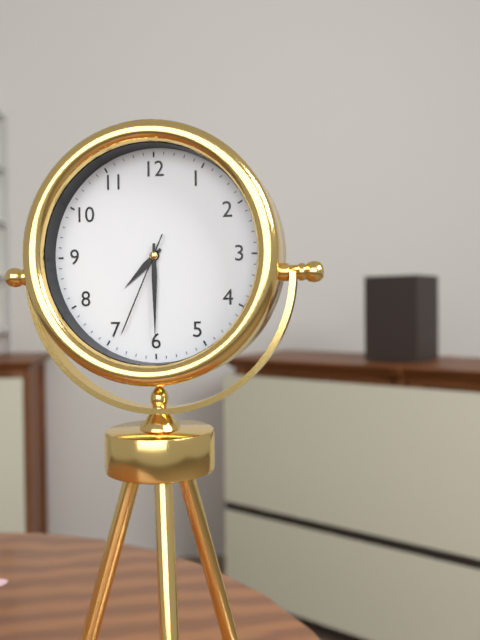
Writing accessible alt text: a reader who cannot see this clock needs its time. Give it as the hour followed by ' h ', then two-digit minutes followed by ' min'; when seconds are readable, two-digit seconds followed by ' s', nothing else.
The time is 7 h 30 min 34 s
